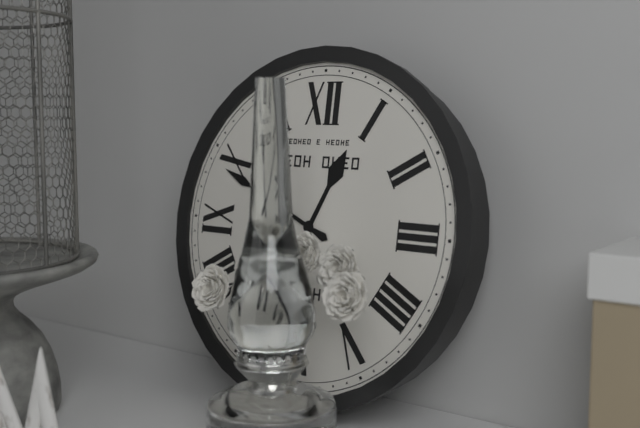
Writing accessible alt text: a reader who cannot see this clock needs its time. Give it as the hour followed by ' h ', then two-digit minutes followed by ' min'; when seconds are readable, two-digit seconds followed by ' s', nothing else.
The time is 12 h 49 min
